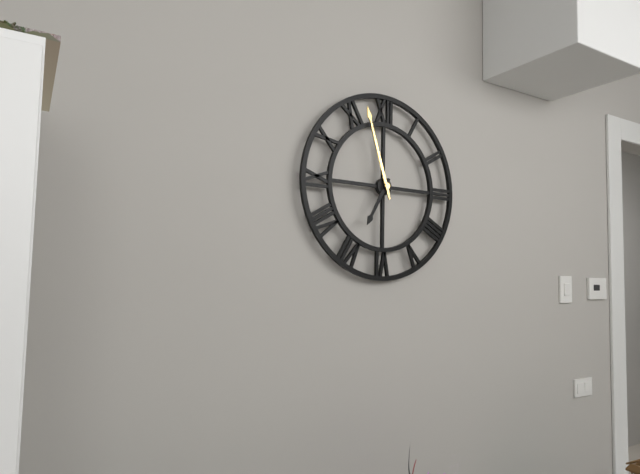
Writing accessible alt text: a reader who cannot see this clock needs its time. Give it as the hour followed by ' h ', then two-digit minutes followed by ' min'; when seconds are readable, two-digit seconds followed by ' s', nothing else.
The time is 6 h 57 min
